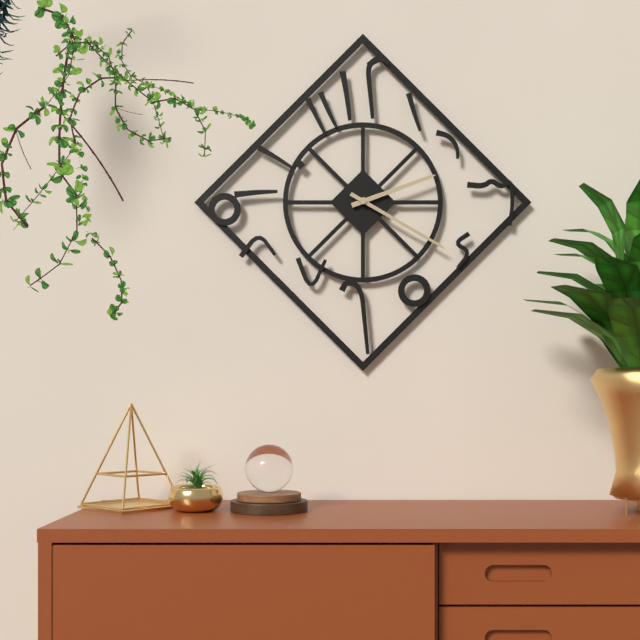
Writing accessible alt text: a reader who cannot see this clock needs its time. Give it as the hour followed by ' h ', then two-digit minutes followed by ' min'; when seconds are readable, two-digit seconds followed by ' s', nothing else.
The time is 2 h 20 min
